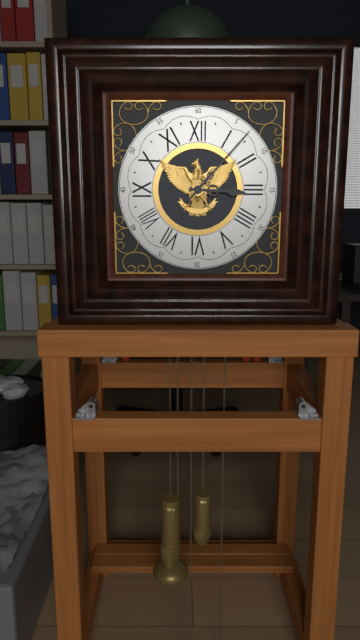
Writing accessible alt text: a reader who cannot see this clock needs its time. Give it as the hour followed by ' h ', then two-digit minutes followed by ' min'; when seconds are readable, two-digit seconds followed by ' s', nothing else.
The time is 3 h 07 min
